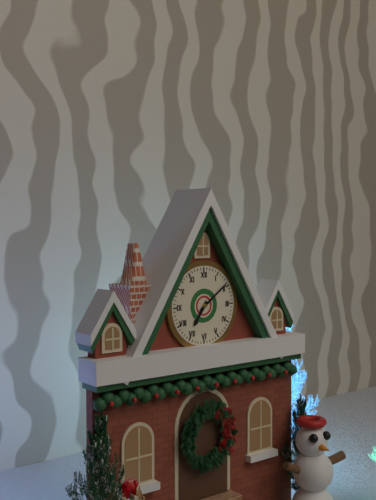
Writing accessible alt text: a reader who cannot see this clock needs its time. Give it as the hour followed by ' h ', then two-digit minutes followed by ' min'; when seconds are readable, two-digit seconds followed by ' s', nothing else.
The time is 7 h 09 min
